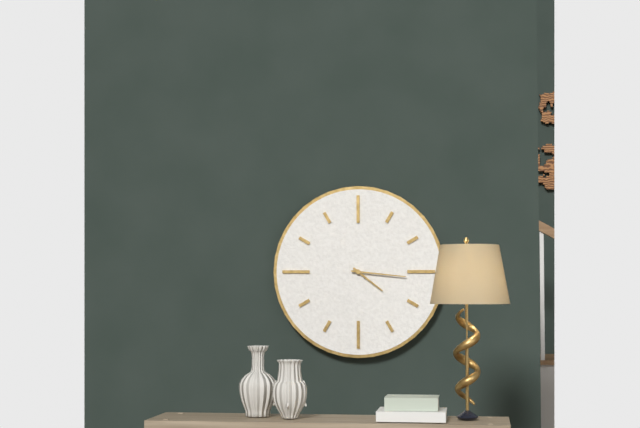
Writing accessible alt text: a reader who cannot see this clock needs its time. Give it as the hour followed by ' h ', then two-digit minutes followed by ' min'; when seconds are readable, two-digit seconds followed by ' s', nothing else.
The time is 4 h 16 min
